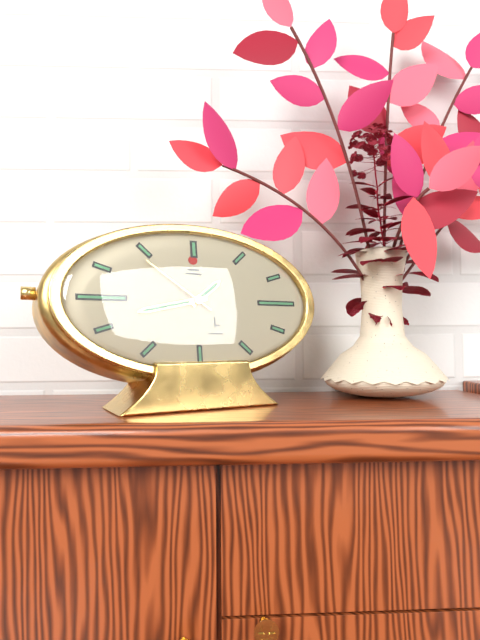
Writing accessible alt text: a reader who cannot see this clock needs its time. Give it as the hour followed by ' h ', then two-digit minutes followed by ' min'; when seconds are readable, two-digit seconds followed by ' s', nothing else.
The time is 1 h 43 min 51 s
